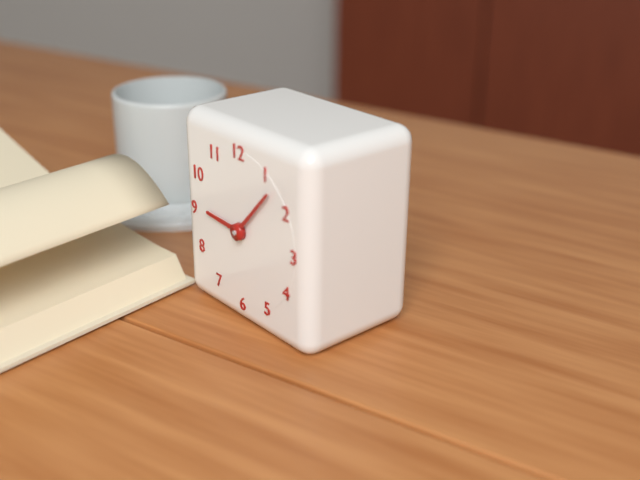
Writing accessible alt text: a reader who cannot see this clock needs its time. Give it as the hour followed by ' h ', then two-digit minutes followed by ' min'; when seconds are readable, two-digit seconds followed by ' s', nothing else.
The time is 9 h 07 min
